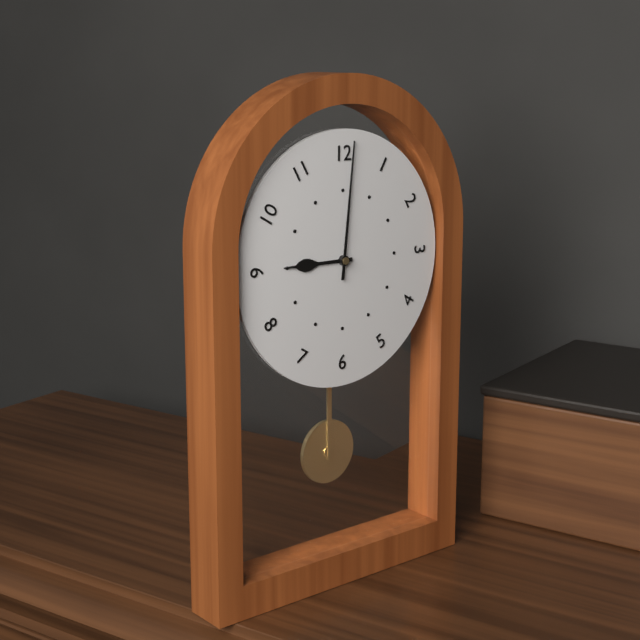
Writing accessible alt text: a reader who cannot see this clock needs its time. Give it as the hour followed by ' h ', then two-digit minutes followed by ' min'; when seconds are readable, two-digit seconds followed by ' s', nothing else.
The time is 9 h 01 min
